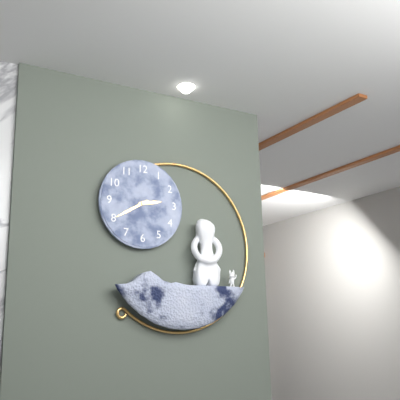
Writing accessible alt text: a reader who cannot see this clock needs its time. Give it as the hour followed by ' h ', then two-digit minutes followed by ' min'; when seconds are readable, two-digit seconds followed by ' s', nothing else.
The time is 2 h 40 min
